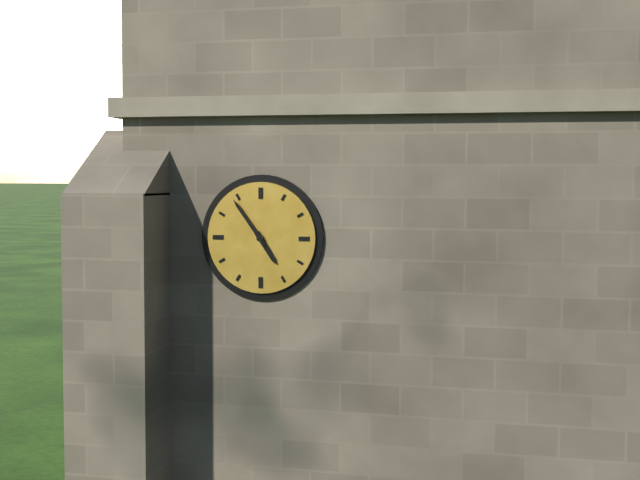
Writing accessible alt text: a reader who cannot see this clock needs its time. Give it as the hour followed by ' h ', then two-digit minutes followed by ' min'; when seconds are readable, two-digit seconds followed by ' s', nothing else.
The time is 4 h 54 min
